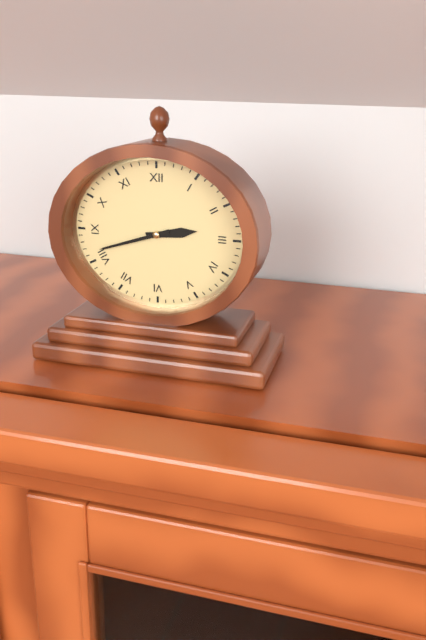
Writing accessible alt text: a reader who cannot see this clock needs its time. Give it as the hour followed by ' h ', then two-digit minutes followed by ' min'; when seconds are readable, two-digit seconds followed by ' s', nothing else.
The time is 2 h 42 min
